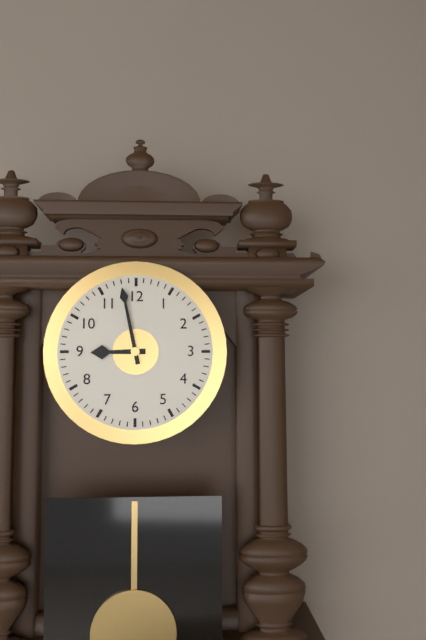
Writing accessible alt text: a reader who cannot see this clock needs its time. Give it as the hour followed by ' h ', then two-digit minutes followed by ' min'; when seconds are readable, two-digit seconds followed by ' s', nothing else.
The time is 8 h 58 min
